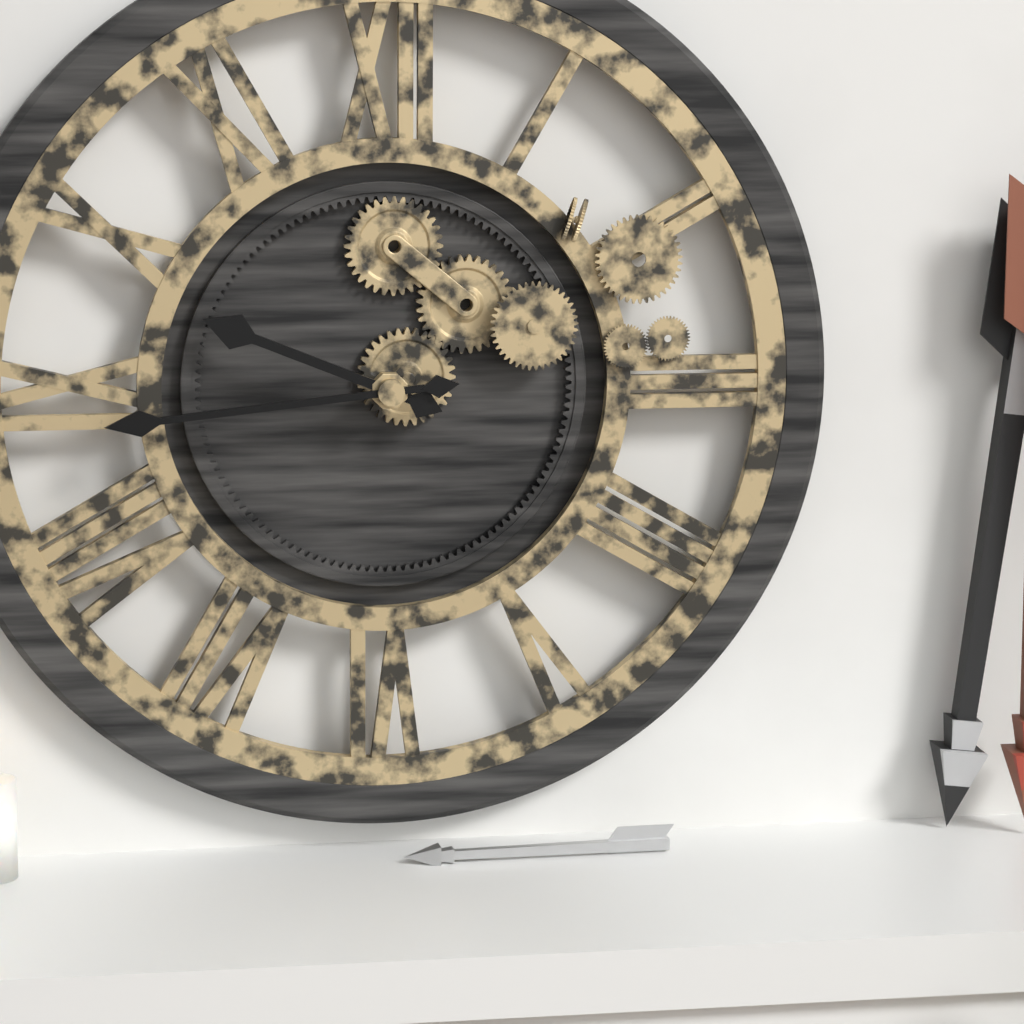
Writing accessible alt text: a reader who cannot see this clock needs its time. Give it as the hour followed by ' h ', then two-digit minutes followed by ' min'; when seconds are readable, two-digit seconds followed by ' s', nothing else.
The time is 9 h 44 min
